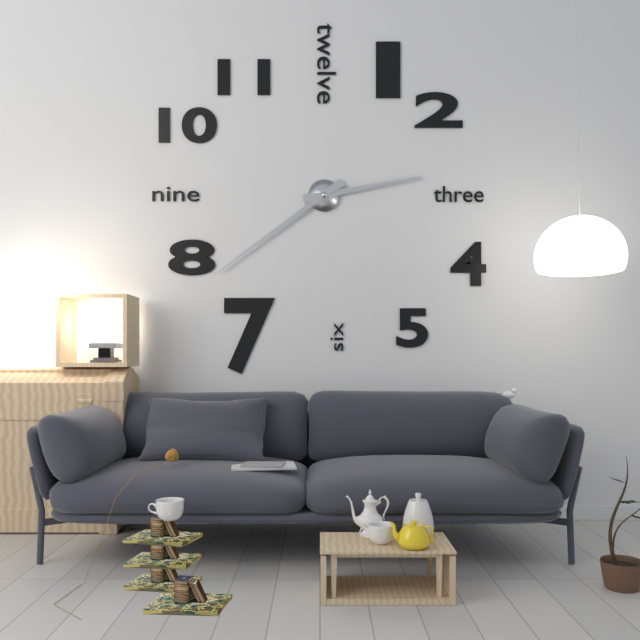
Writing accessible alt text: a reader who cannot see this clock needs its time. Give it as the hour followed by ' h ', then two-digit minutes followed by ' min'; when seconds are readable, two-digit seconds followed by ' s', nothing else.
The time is 2 h 39 min
